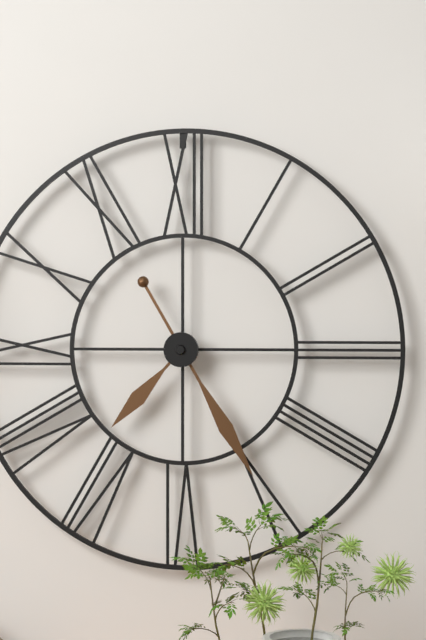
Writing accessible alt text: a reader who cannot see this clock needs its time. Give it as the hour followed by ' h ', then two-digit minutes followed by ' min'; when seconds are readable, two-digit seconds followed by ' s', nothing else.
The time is 7 h 25 min
